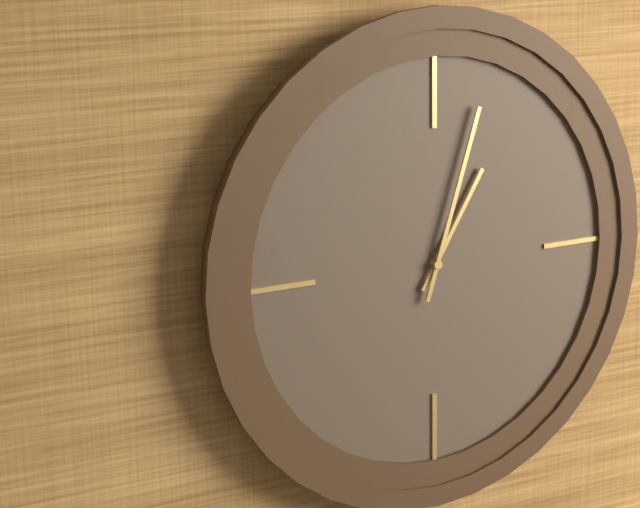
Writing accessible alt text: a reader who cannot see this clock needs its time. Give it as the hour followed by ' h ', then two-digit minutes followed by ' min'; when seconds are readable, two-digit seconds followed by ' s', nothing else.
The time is 1 h 03 min
